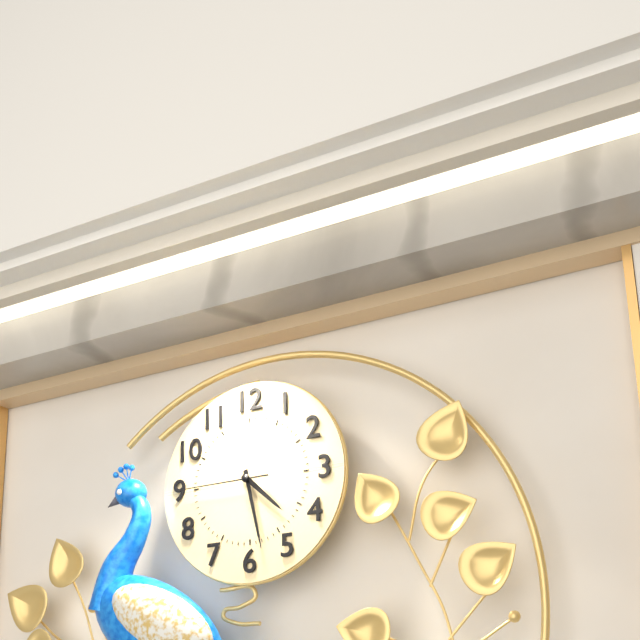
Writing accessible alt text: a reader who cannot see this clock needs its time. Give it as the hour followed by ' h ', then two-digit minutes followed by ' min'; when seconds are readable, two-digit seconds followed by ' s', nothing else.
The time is 4 h 28 min 45 s
